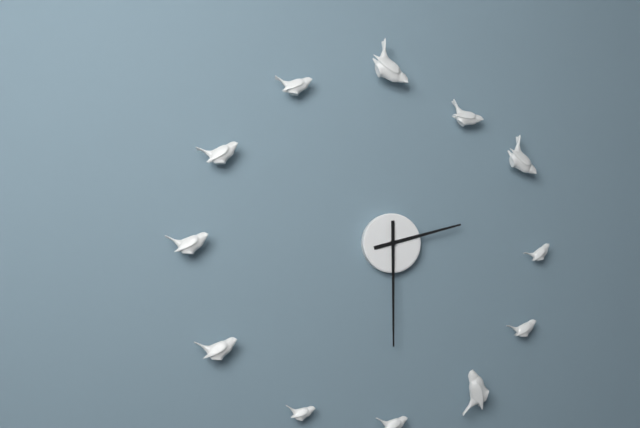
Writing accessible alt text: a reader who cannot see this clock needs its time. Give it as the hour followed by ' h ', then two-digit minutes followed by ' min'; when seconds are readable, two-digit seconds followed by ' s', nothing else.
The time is 2 h 30 min
